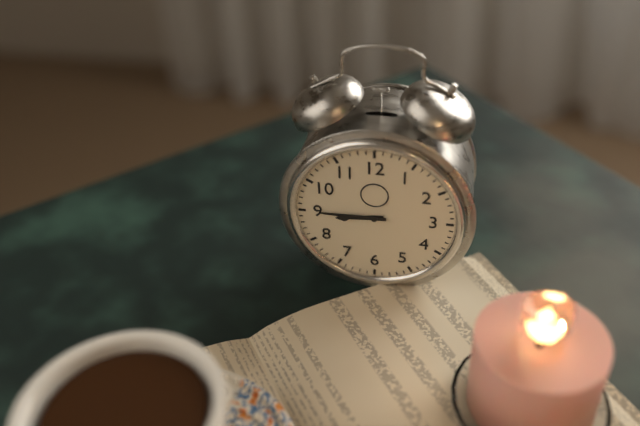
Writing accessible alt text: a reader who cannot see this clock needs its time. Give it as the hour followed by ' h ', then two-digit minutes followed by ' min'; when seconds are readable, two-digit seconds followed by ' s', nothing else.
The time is 8 h 45 min
